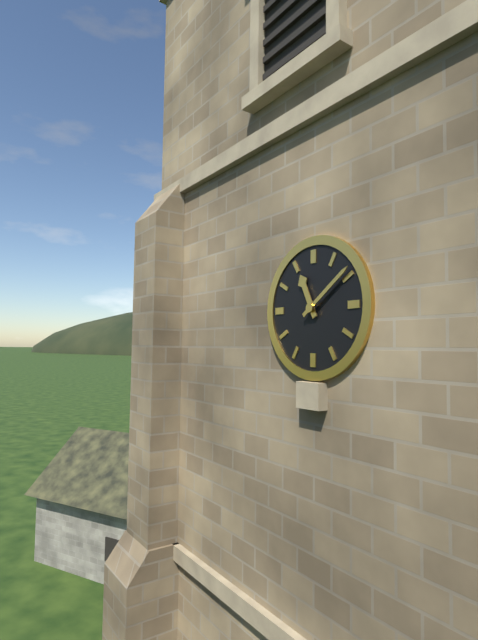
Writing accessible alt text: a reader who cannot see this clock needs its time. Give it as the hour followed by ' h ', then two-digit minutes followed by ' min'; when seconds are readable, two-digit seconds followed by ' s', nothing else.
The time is 11 h 09 min
